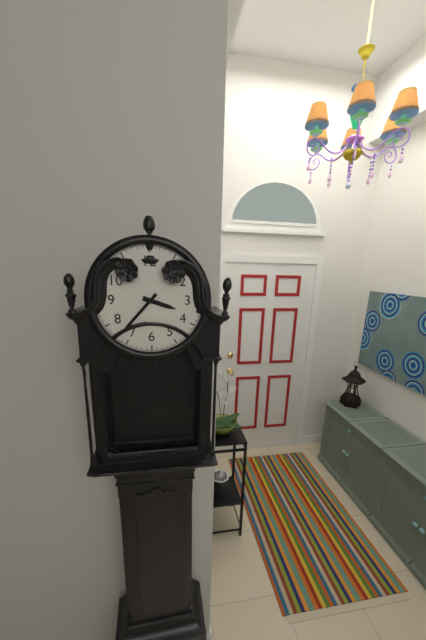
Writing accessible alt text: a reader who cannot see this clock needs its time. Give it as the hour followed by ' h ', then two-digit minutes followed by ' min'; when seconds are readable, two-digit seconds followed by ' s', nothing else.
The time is 3 h 37 min
